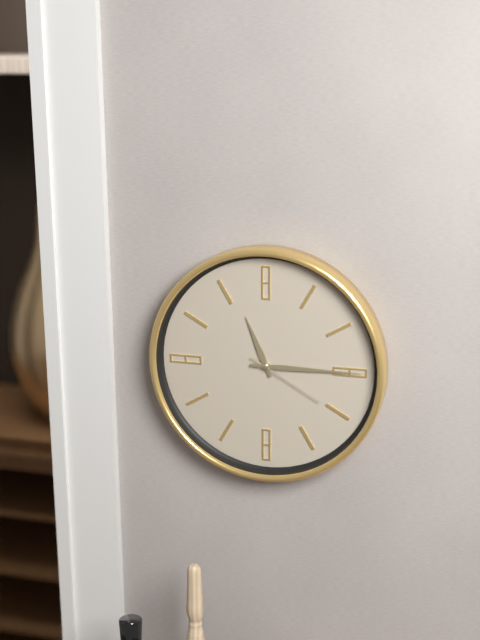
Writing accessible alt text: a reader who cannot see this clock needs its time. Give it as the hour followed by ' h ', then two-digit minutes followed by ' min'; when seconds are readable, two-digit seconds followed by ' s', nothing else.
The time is 11 h 15 min 20 s
